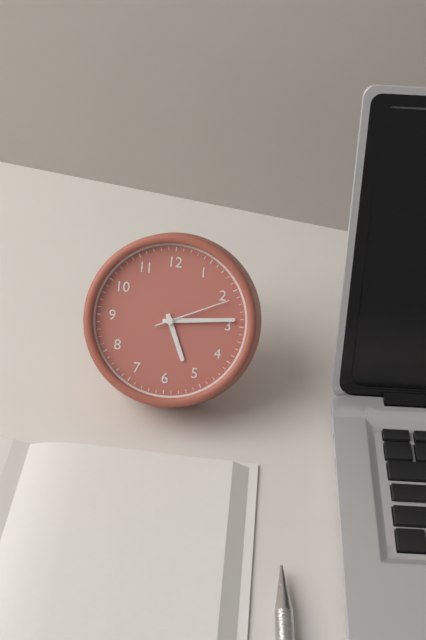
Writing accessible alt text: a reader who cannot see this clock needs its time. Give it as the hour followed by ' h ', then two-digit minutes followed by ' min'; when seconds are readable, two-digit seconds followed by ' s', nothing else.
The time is 5 h 14 min 11 s
